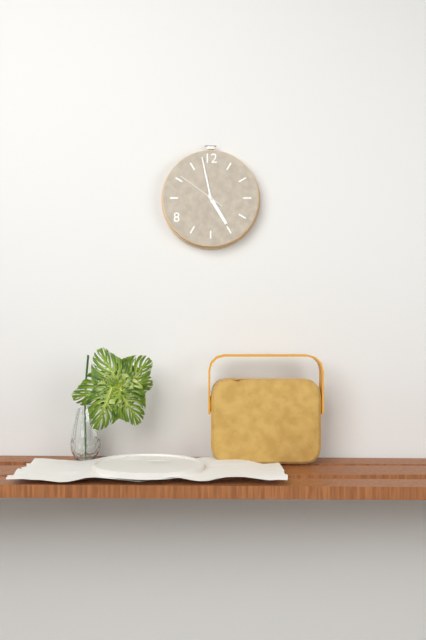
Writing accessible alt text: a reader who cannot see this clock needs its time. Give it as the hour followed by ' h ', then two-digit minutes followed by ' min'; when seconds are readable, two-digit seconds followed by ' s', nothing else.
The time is 4 h 58 min
